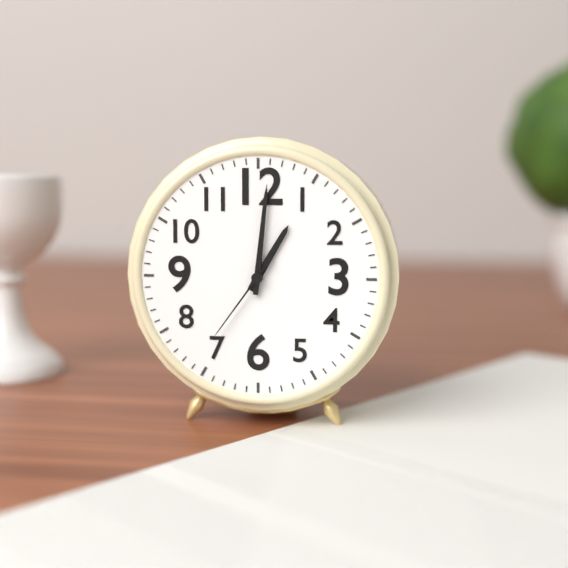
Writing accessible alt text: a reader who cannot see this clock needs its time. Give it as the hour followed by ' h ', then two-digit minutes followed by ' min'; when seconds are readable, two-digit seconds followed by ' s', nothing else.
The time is 1 h 01 min 36 s
